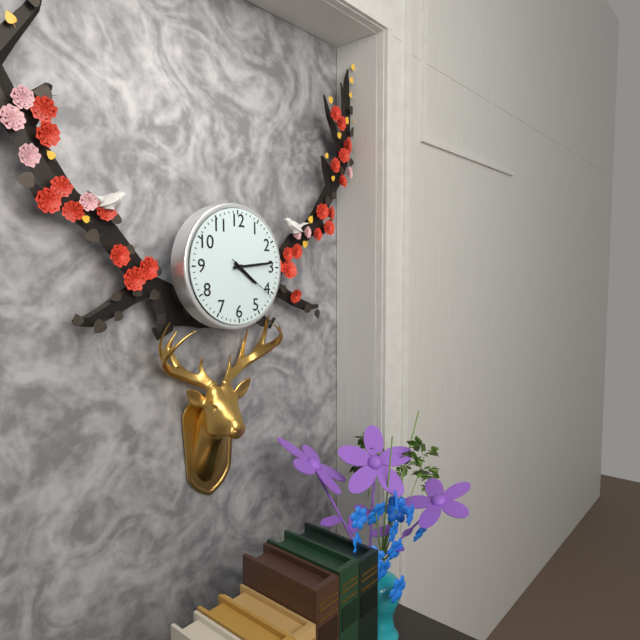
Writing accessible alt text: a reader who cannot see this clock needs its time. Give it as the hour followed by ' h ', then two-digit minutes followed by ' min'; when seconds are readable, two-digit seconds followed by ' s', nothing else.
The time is 4 h 14 min 21 s
